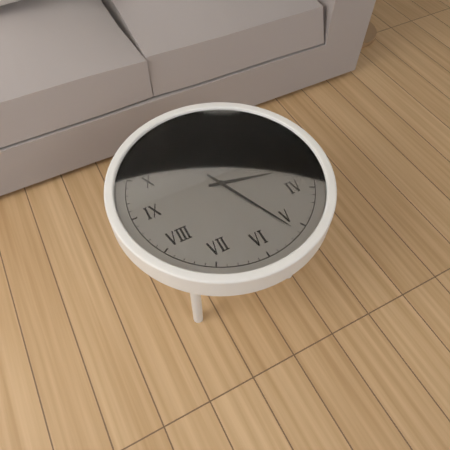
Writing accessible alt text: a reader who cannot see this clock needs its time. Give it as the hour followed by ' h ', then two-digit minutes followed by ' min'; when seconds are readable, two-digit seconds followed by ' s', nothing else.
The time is 3 h 26 min
